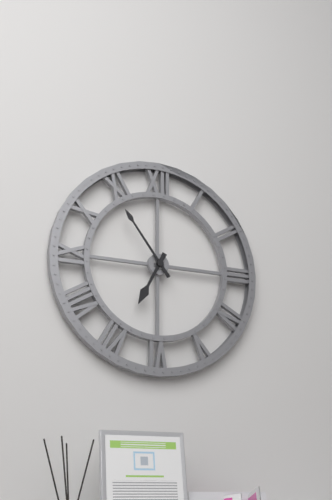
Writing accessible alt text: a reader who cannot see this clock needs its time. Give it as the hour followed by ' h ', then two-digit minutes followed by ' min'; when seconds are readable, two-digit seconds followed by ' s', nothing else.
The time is 6 h 54 min
